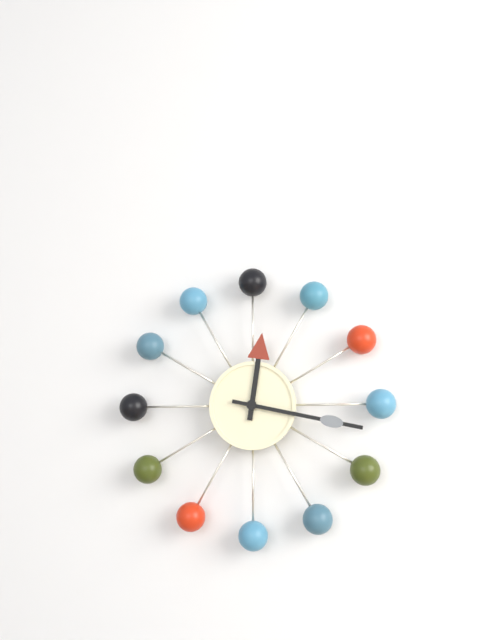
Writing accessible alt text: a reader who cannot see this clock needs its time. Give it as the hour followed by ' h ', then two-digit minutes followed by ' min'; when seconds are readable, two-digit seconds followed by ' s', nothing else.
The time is 12 h 17 min
